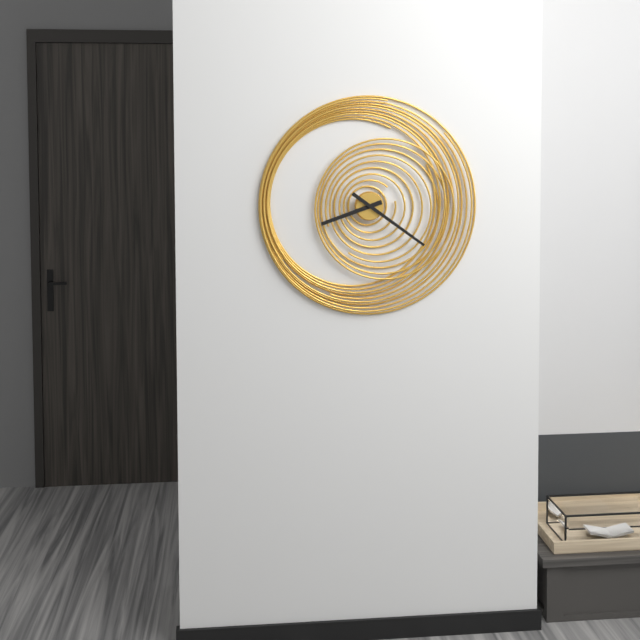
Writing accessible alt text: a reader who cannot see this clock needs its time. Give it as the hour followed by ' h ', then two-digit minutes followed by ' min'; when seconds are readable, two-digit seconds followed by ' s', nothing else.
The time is 8 h 21 min
